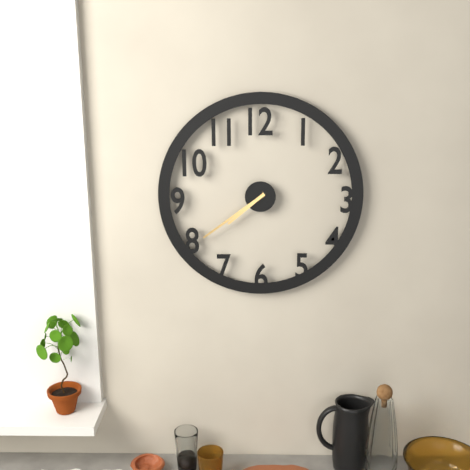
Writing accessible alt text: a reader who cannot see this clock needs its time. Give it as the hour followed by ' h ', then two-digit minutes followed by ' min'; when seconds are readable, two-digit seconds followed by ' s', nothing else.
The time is 7 h 39 min
